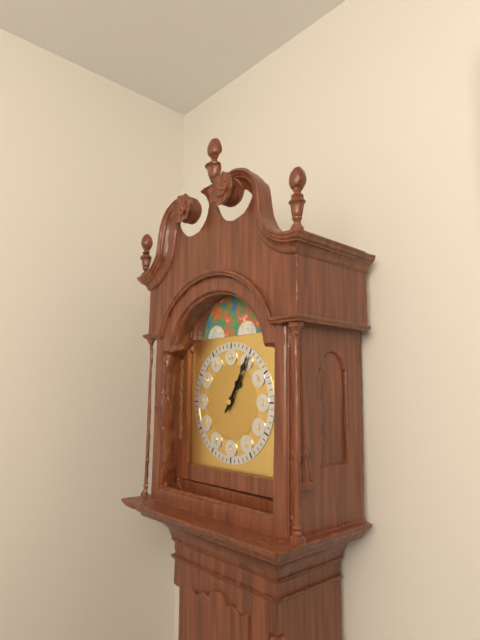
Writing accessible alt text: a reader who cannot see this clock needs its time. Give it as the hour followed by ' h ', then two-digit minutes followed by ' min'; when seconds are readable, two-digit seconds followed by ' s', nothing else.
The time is 1 h 05 min
